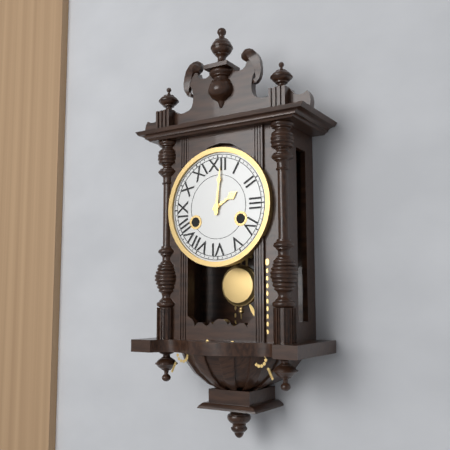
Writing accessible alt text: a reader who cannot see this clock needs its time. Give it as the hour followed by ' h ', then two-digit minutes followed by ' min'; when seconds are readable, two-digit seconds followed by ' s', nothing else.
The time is 2 h 01 min
